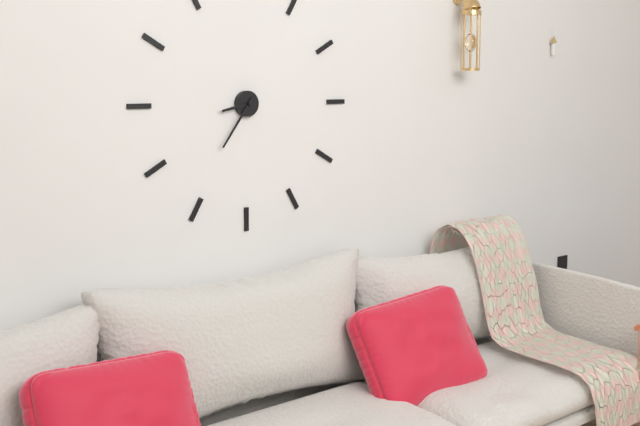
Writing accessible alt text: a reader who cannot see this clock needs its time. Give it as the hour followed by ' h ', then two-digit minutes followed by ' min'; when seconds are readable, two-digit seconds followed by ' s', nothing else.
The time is 8 h 36 min
